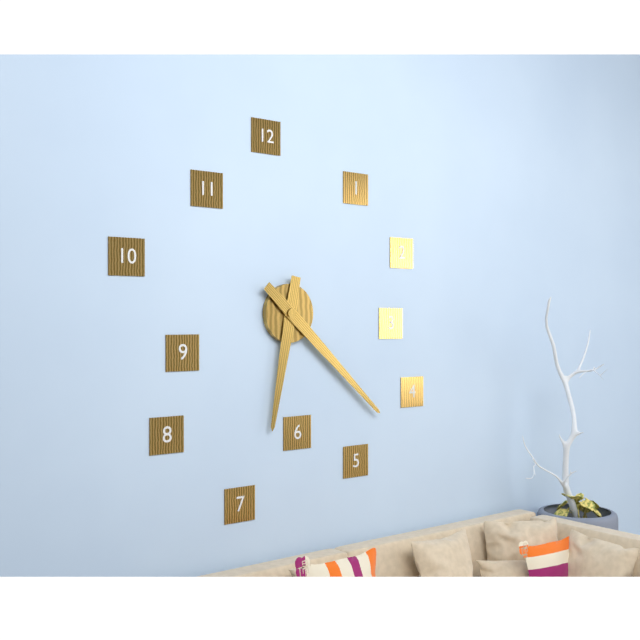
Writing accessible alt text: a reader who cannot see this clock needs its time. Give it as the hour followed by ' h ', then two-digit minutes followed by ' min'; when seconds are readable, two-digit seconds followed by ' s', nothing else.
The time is 6 h 22 min
